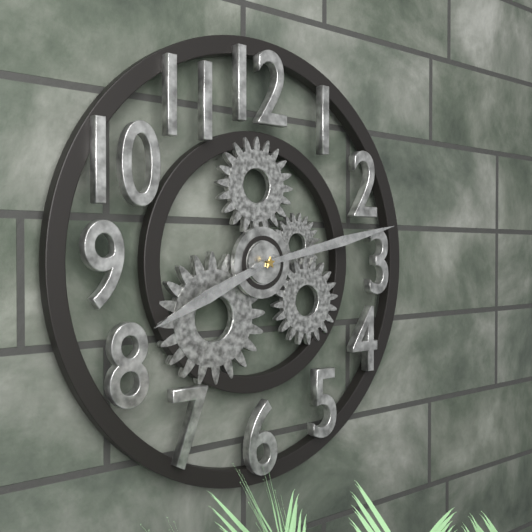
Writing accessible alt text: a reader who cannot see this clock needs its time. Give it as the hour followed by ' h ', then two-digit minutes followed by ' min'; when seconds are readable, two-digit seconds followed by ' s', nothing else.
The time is 8 h 13 min
